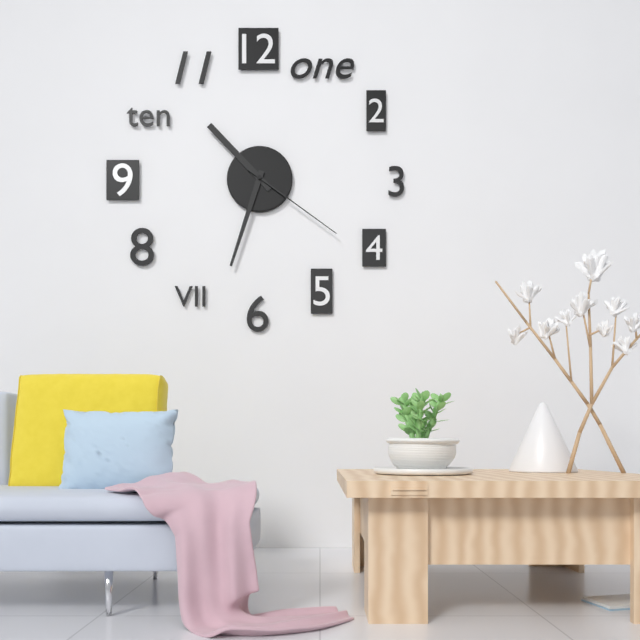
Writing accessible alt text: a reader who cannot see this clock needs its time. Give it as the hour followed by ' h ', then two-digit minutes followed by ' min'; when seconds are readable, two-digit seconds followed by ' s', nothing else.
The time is 10 h 33 min 21 s
